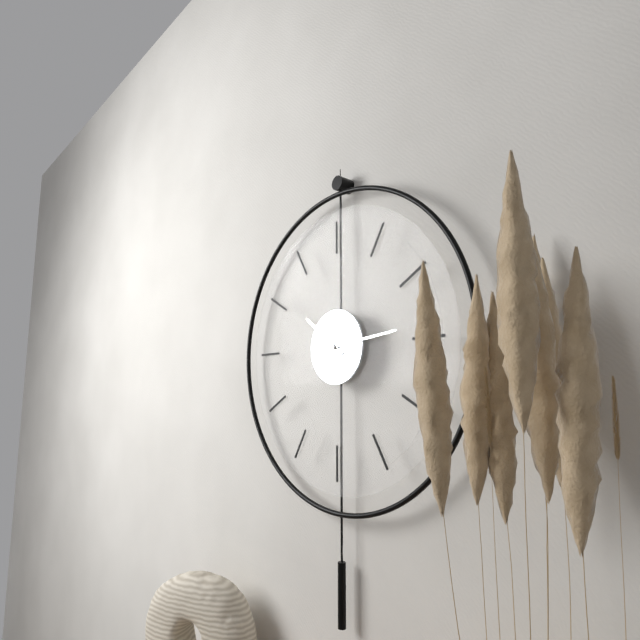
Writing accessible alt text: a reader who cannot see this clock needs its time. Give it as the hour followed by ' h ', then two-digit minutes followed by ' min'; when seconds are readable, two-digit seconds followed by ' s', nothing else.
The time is 10 h 14 min
